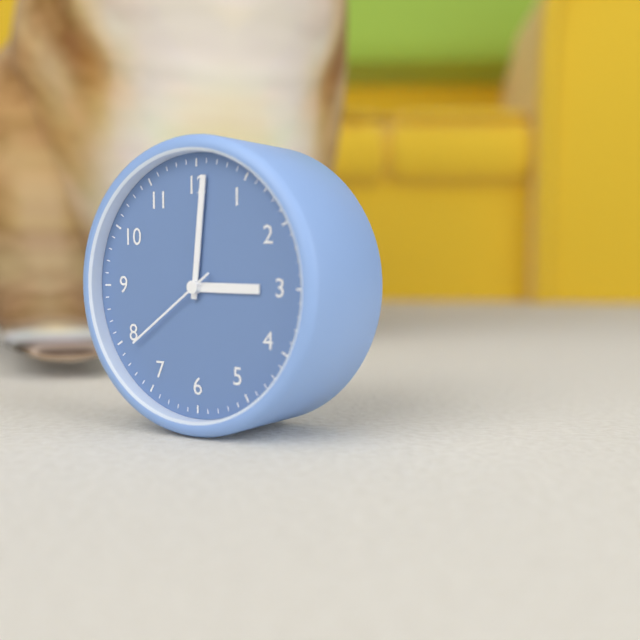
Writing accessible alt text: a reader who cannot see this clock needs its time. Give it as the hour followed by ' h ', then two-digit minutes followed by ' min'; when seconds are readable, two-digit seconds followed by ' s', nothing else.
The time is 3 h 01 min 39 s
